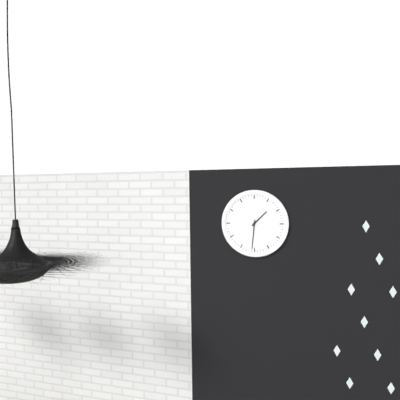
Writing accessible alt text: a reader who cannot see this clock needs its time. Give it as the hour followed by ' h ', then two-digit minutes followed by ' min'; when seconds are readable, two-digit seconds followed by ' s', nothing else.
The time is 1 h 31 min
